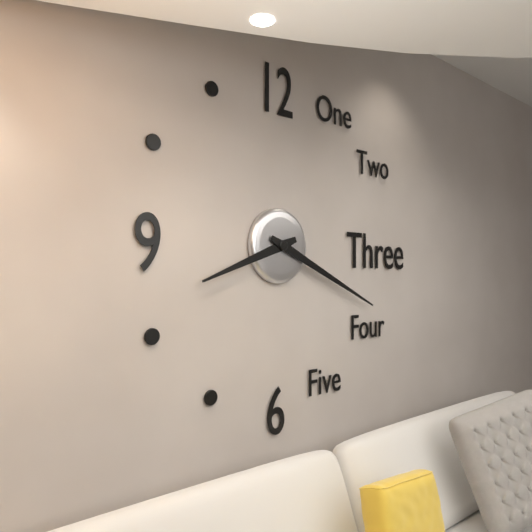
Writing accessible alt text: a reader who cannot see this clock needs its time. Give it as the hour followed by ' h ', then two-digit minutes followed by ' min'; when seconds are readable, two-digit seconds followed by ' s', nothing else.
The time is 8 h 19 min
